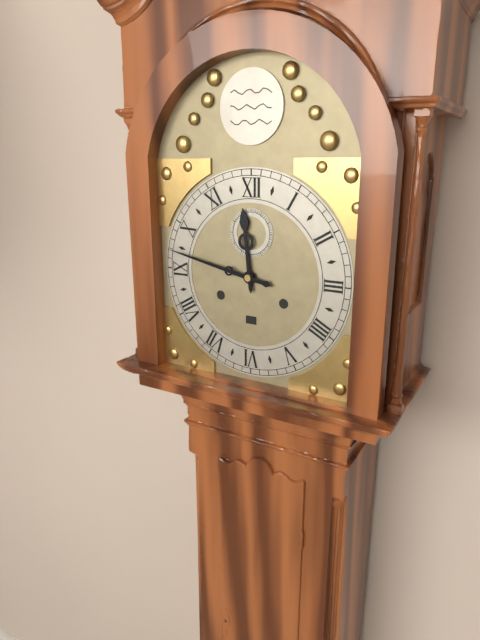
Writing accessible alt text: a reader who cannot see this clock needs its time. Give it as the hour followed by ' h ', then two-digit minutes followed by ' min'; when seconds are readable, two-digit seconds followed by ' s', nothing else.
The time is 11 h 47 min
